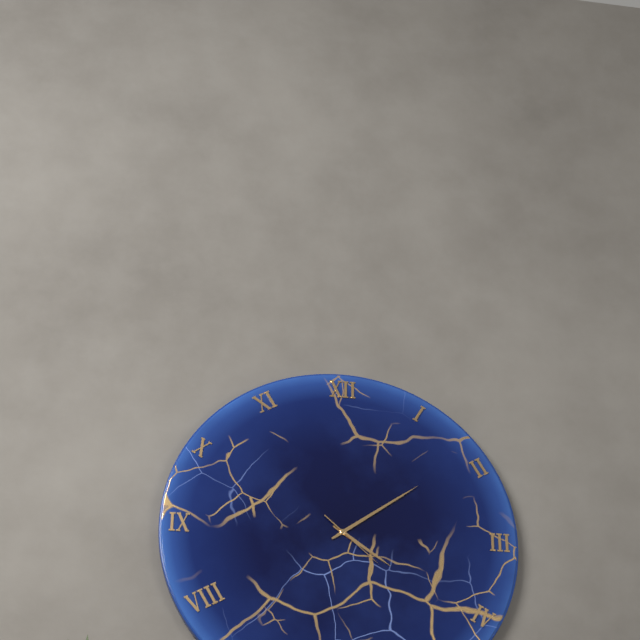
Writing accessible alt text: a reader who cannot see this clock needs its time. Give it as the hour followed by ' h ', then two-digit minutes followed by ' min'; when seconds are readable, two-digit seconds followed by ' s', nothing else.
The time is 4 h 09 min 22 s
